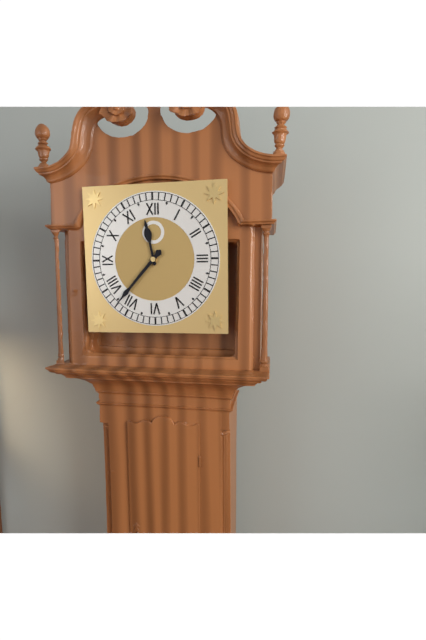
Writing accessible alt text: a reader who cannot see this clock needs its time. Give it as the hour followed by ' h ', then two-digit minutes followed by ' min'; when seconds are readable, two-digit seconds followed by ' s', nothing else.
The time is 11 h 37 min
